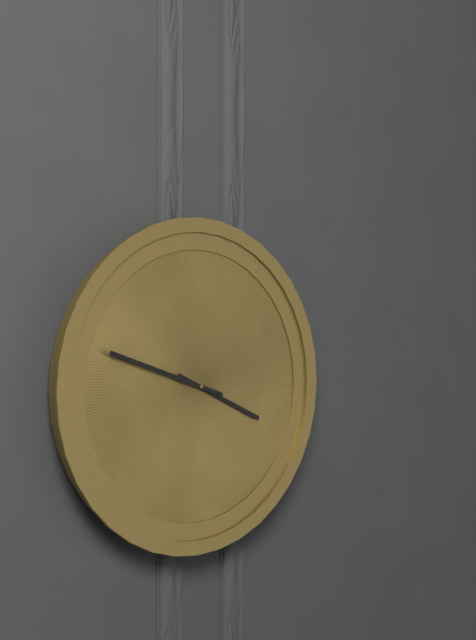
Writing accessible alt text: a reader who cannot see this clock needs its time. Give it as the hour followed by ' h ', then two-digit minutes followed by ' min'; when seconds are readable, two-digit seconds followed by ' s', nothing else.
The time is 3 h 48 min
